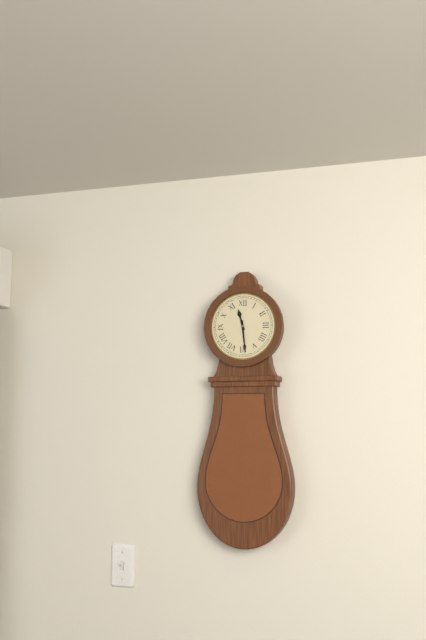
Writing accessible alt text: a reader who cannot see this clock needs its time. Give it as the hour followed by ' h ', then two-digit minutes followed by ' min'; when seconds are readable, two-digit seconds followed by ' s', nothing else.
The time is 11 h 29 min
